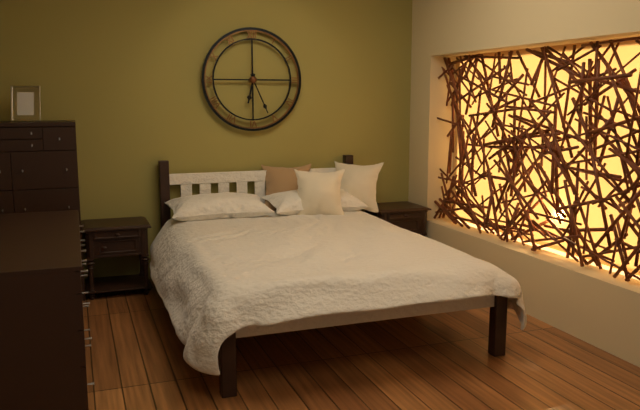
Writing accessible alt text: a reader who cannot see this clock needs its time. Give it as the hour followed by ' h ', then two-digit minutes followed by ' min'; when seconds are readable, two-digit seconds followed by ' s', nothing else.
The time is 6 h 26 min
